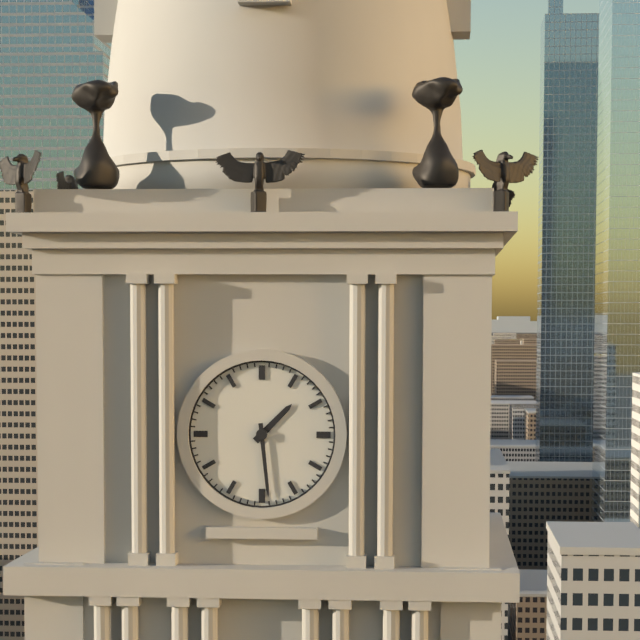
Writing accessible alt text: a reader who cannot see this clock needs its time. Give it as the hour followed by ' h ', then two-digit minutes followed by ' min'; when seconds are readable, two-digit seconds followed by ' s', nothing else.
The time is 1 h 29 min
